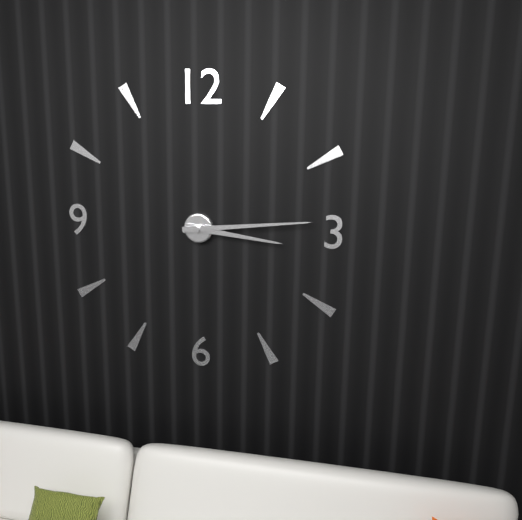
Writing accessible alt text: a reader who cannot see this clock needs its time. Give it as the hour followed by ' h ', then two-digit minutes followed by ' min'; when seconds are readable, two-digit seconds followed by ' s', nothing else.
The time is 3 h 14 min
